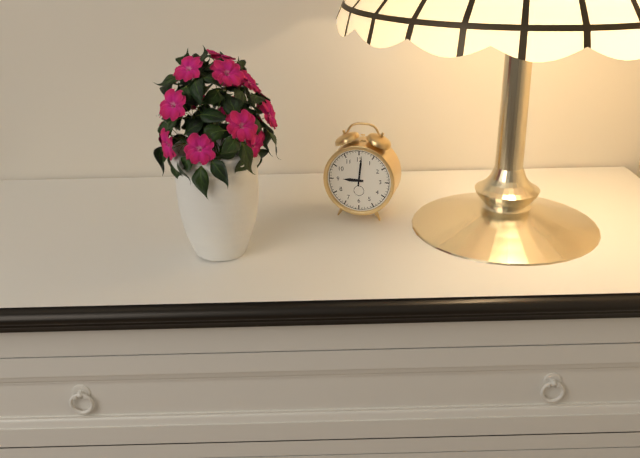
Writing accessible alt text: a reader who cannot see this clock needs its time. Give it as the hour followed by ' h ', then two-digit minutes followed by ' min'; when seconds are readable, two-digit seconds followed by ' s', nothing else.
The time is 9 h 01 min
